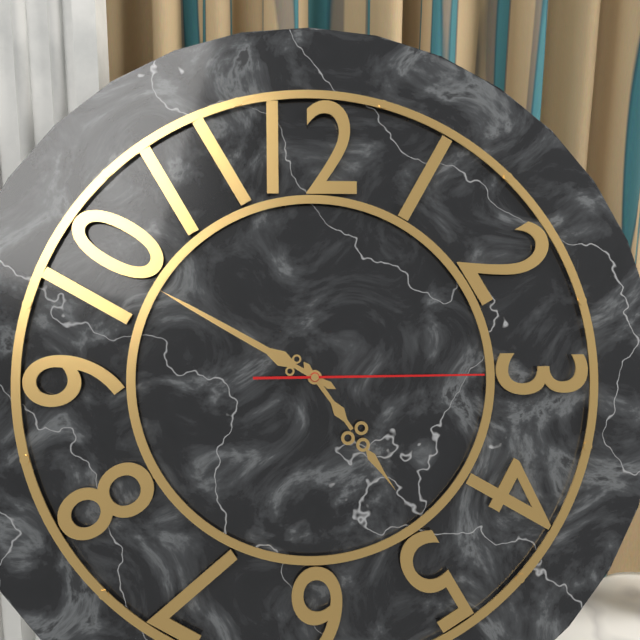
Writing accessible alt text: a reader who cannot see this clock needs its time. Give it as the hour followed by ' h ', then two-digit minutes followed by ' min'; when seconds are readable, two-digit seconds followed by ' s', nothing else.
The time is 4 h 50 min 15 s
